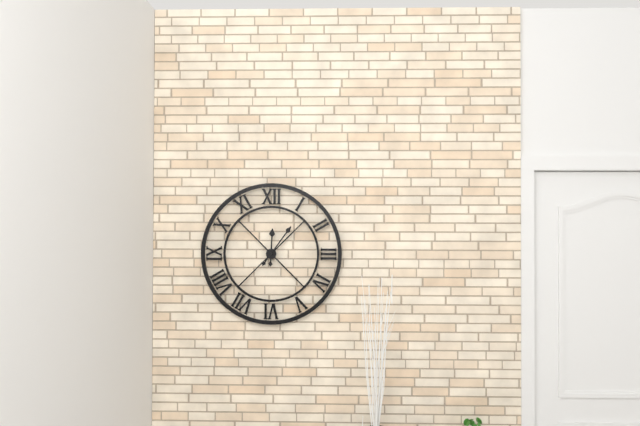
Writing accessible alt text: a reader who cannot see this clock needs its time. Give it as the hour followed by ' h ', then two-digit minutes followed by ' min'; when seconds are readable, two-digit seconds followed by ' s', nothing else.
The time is 12 h 06 min
